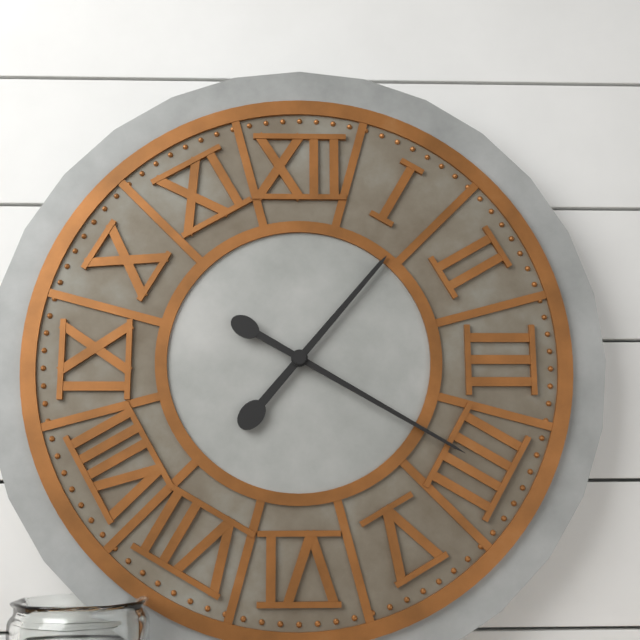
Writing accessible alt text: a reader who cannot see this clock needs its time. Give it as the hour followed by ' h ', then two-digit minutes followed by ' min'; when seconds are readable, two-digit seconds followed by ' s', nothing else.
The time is 1 h 20 min
